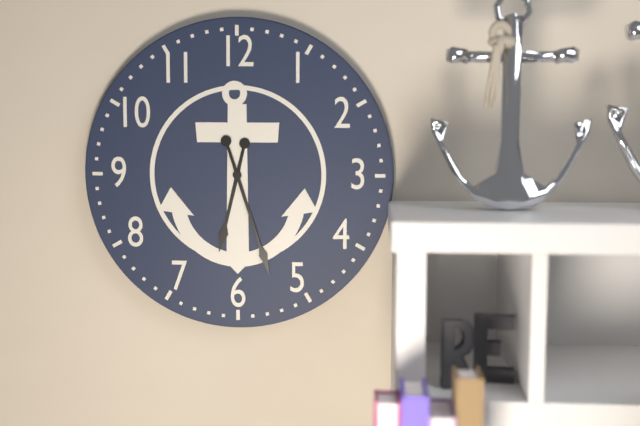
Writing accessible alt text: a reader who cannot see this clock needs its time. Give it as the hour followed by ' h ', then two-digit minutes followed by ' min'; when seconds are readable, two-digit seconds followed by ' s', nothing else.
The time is 6 h 27 min
